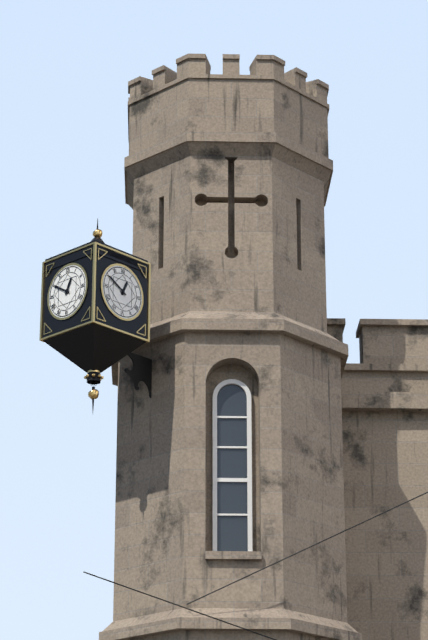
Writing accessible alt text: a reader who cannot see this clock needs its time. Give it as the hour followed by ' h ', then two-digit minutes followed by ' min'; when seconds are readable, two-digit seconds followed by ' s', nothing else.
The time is 12 h 50 min
